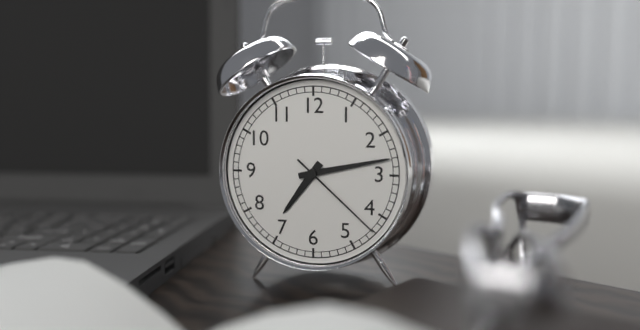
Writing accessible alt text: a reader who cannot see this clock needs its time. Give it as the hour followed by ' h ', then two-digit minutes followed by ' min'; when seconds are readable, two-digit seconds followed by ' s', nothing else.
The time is 7 h 13 min 22 s
